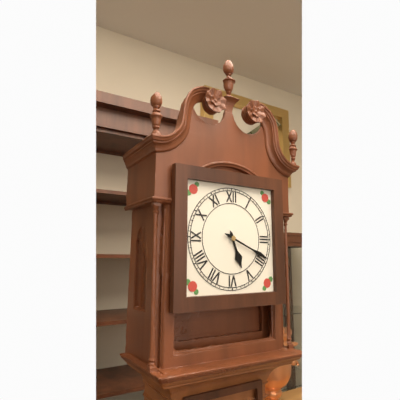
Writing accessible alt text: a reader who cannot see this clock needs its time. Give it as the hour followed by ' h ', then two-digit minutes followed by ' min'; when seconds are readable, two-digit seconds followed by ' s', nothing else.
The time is 5 h 19 min
